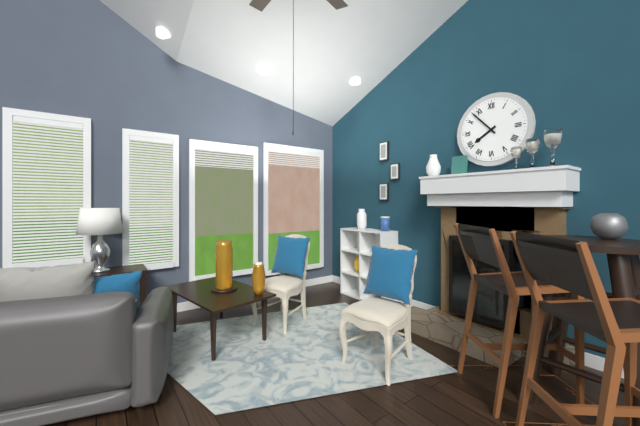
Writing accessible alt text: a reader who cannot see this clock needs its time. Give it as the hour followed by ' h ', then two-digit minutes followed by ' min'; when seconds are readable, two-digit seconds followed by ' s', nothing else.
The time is 7 h 53 min
